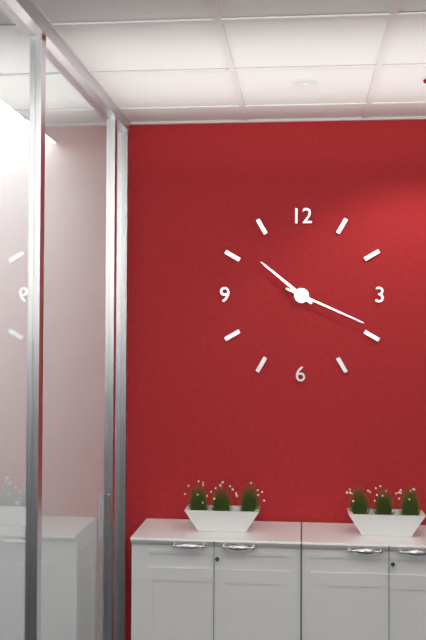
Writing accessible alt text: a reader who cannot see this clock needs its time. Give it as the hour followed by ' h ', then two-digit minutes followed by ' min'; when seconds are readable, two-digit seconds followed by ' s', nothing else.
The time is 10 h 19 min
